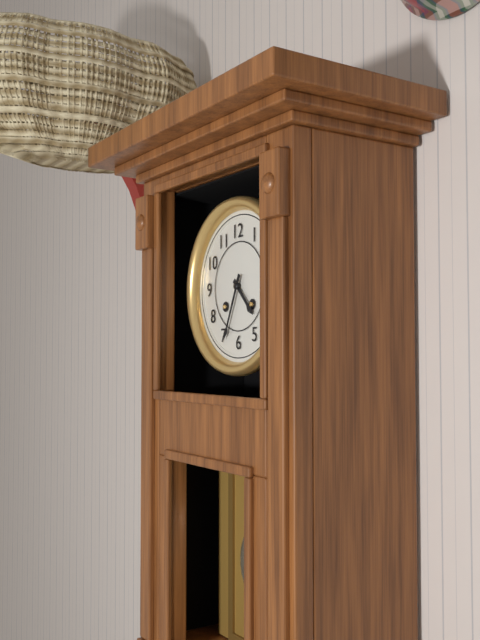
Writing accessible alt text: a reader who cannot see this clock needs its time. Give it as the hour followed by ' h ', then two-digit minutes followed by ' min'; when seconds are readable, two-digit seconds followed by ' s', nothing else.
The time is 4 h 34 min
